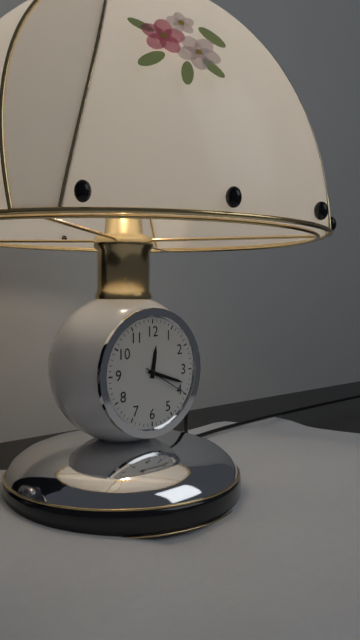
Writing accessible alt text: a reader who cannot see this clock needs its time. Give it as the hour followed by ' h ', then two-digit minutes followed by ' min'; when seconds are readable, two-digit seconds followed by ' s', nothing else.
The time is 12 h 18 min
